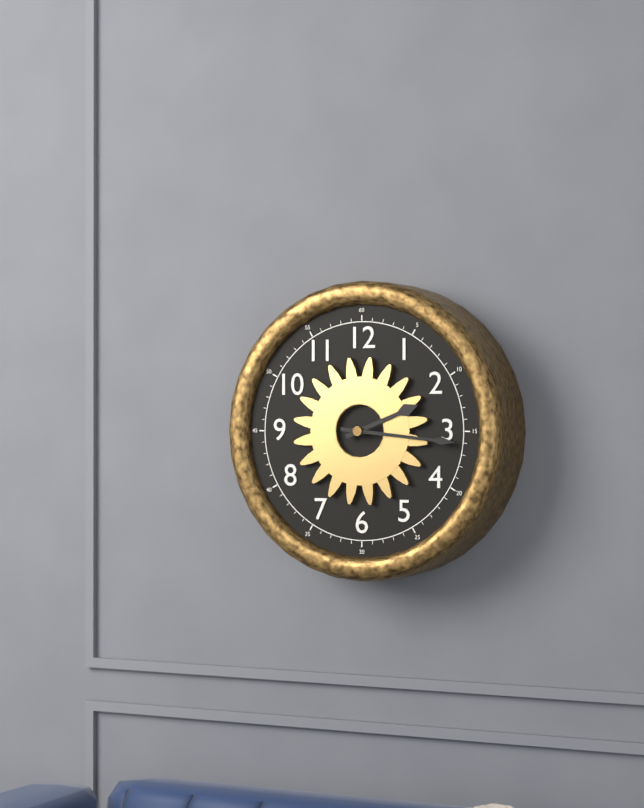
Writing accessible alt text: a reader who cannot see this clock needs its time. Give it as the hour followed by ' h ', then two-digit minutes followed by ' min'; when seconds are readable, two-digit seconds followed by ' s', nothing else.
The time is 2 h 16 min
